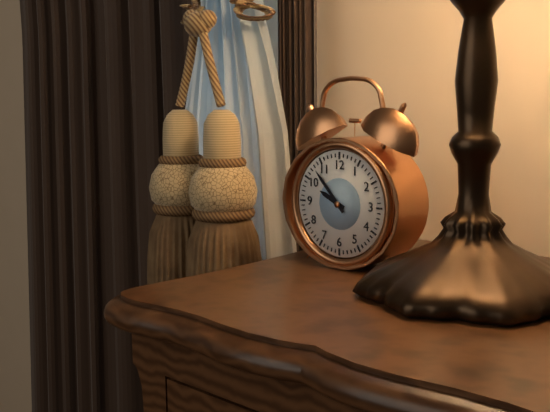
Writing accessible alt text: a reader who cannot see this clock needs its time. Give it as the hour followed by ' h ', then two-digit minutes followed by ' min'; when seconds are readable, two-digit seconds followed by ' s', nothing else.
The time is 9 h 53 min
